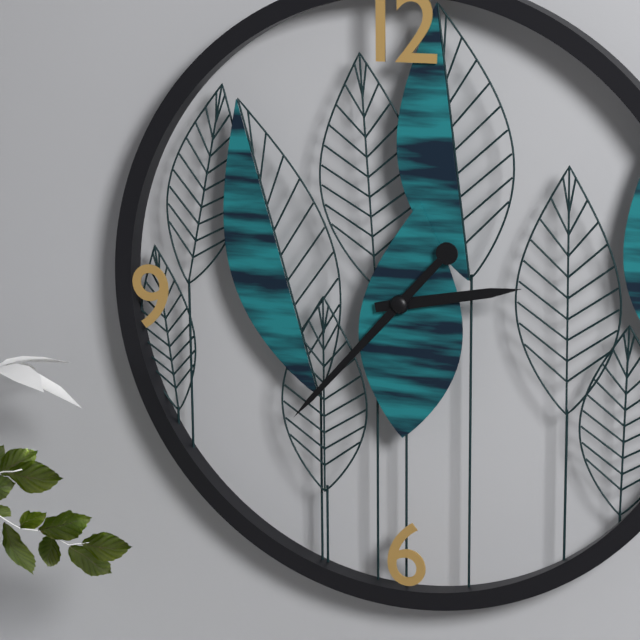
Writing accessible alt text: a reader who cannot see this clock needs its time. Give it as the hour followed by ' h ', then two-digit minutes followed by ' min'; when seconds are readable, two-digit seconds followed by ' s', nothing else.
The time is 2 h 37 min
